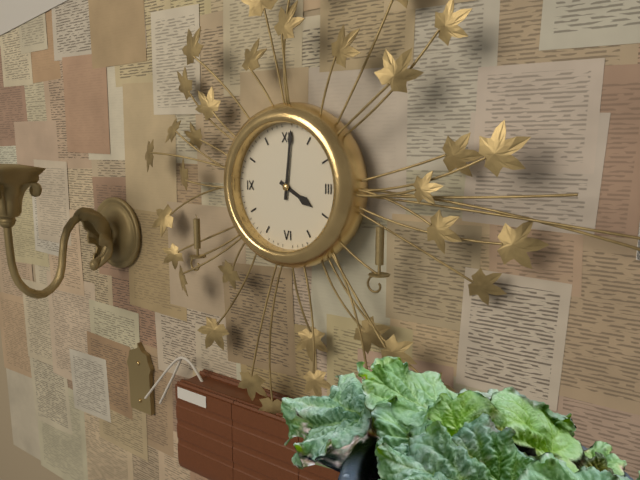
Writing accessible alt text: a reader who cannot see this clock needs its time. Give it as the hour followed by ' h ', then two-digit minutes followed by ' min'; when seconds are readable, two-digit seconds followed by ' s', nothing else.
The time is 4 h 01 min
